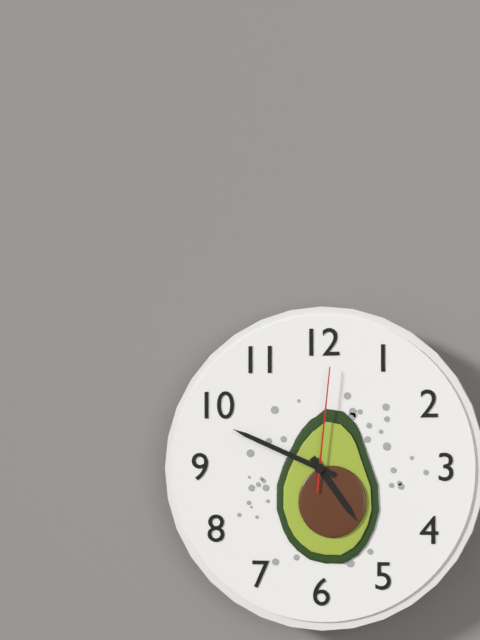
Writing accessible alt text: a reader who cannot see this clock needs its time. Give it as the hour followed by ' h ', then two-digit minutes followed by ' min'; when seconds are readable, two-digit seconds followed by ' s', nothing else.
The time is 4 h 49 min 01 s
